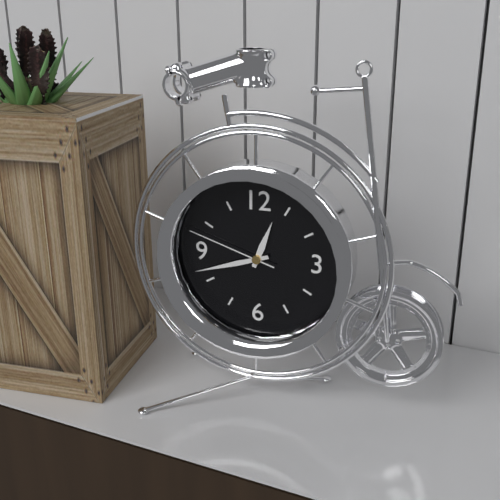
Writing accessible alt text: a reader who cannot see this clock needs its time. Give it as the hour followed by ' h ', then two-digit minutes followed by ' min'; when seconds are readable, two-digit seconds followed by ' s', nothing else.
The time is 12 h 42 min 48 s
